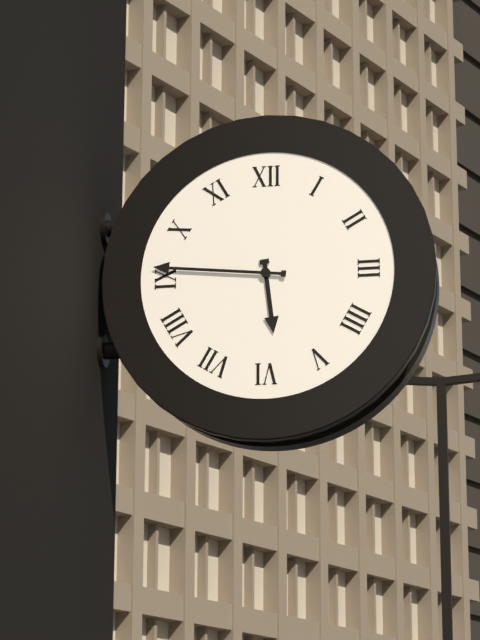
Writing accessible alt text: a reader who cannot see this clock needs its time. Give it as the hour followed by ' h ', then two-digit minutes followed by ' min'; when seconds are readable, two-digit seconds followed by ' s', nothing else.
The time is 5 h 46 min
